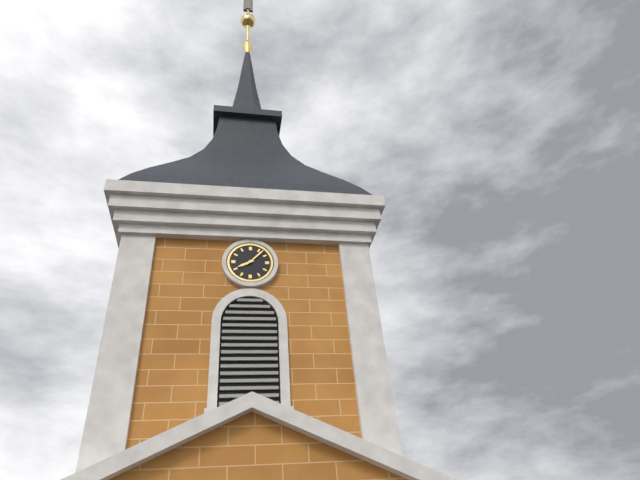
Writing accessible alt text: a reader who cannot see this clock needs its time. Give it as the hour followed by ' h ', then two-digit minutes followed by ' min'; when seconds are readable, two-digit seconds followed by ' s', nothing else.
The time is 8 h 07 min
